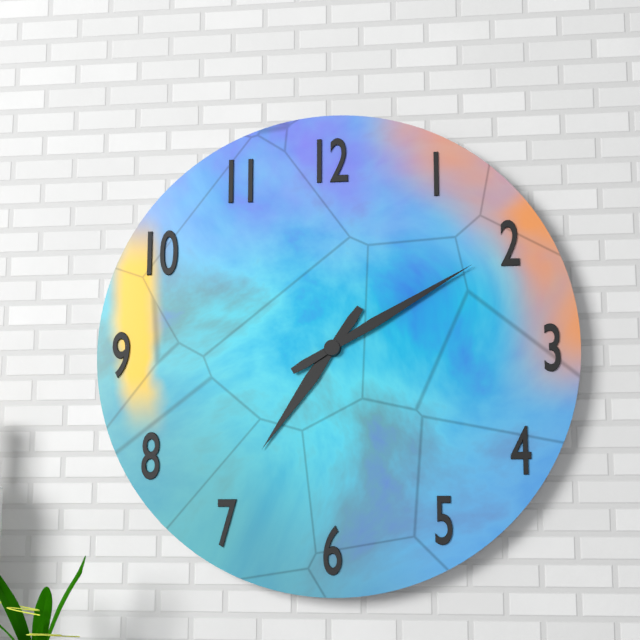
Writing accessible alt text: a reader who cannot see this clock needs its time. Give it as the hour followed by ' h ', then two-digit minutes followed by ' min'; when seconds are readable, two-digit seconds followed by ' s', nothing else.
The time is 7 h 10 min
